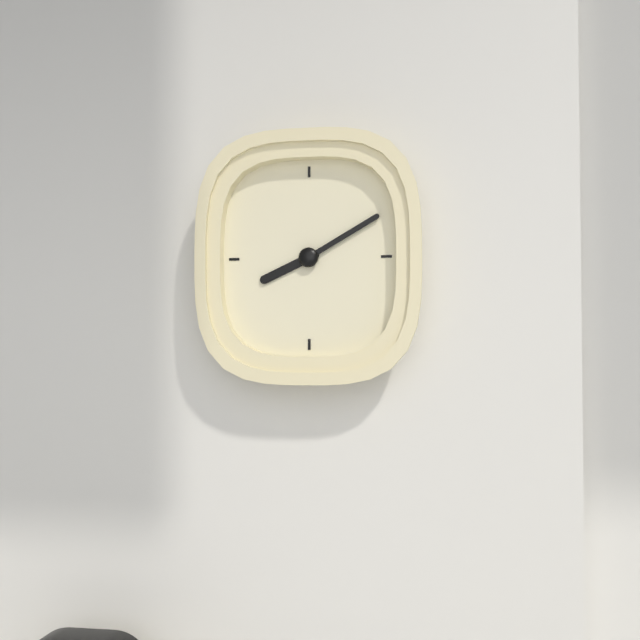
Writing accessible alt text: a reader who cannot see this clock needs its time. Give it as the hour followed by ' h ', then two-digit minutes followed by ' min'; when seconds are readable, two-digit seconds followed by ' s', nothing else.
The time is 8 h 10 min
